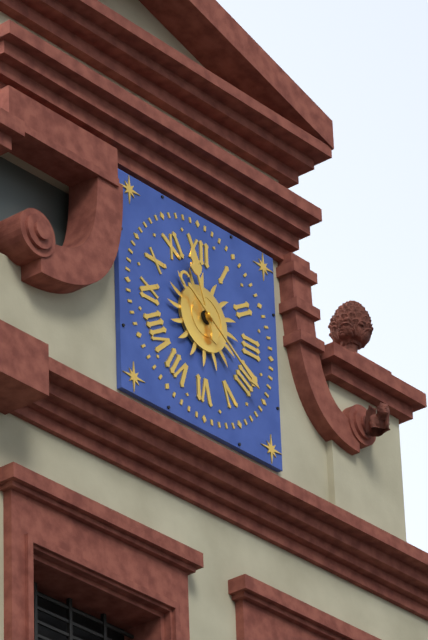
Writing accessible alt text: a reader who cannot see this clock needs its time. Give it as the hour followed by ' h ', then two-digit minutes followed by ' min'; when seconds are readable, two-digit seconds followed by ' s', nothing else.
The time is 11 h 21 min
